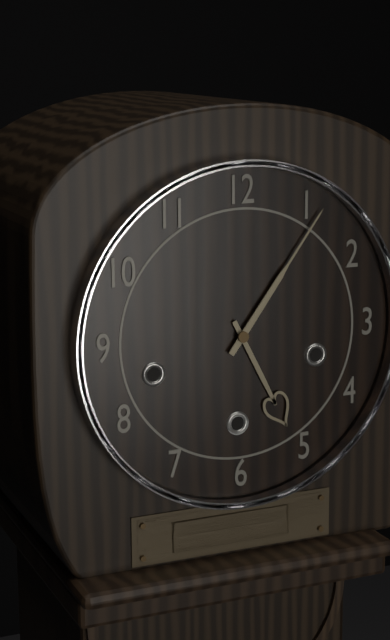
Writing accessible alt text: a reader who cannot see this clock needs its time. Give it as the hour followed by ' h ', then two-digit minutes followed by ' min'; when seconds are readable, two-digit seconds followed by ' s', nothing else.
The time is 5 h 06 min
